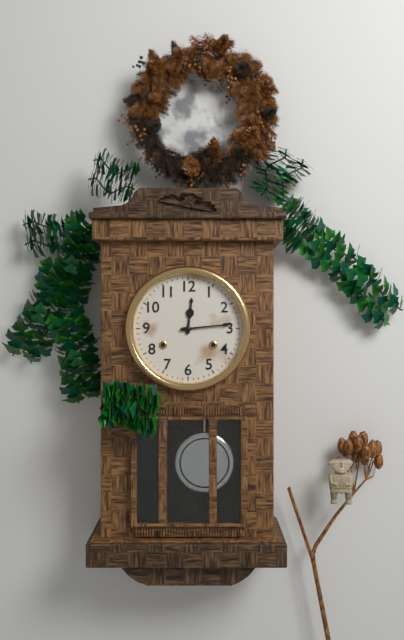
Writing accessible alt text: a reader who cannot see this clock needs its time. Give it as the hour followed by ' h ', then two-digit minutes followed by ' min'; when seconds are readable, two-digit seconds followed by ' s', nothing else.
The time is 12 h 14 min
